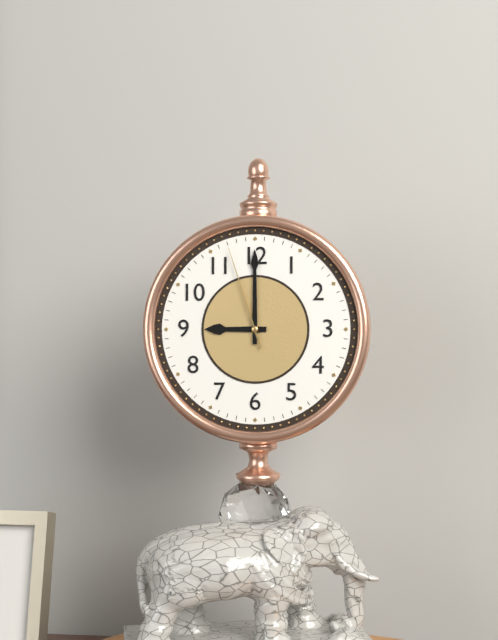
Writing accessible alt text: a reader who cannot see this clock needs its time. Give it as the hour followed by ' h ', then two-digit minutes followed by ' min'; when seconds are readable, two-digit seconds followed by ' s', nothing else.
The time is 9 h 00 min 57 s
